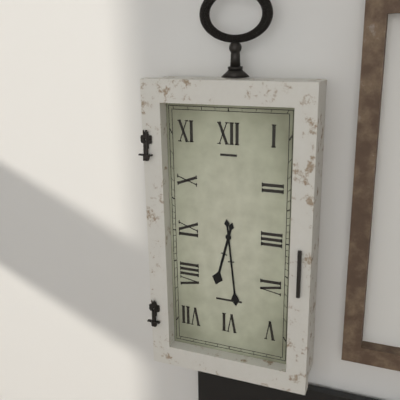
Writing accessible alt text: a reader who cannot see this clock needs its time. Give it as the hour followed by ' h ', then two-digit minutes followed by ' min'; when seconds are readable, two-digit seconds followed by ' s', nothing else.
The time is 6 h 29 min
